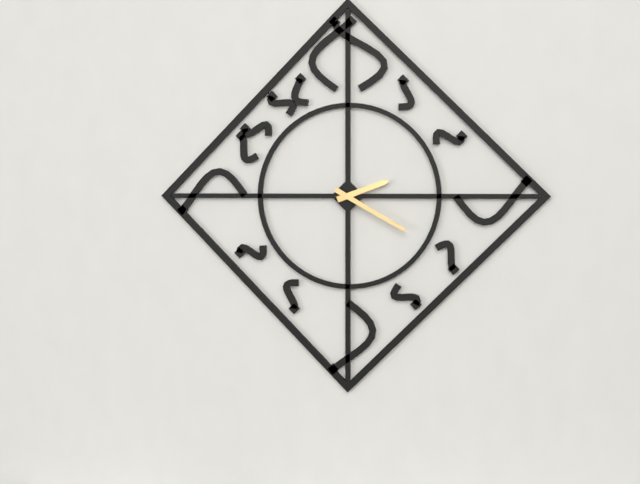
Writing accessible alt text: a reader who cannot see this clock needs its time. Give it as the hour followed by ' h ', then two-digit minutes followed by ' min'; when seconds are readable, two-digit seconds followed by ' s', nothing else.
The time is 2 h 20 min
